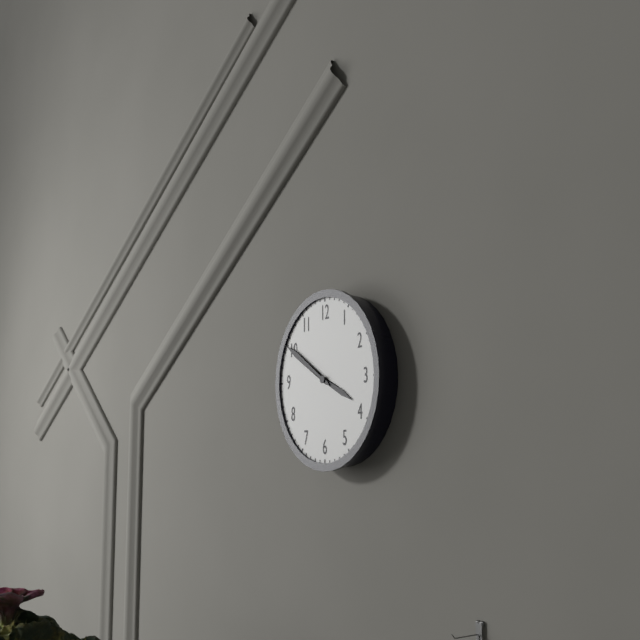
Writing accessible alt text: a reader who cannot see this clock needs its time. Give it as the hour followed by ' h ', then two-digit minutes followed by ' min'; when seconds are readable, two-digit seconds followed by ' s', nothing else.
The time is 3 h 50 min
